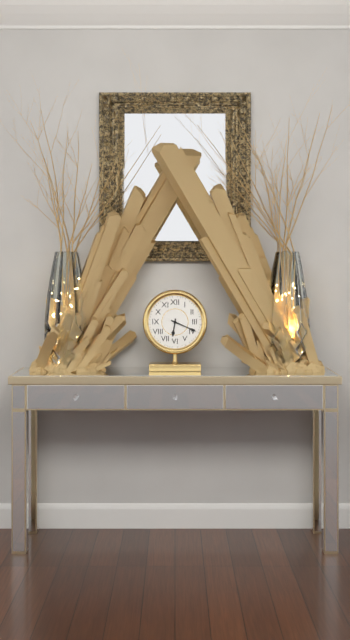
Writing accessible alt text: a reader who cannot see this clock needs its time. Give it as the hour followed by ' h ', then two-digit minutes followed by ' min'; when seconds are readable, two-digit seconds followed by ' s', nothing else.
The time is 6 h 19 min
